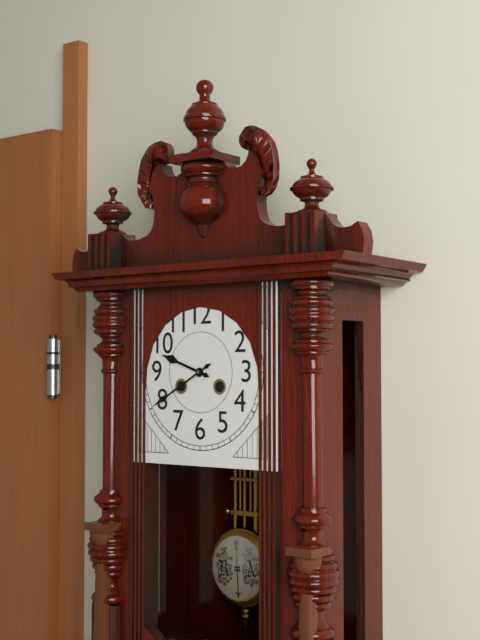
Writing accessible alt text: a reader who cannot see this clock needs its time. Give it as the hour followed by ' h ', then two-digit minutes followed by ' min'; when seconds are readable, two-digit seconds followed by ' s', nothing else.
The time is 9 h 40 min
